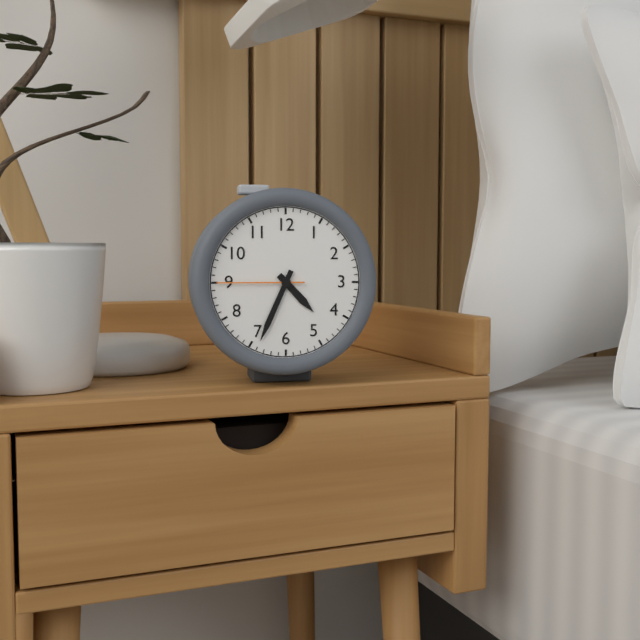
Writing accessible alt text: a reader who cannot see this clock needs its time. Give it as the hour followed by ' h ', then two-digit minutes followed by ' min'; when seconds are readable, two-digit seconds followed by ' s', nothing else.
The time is 4 h 34 min 45 s
